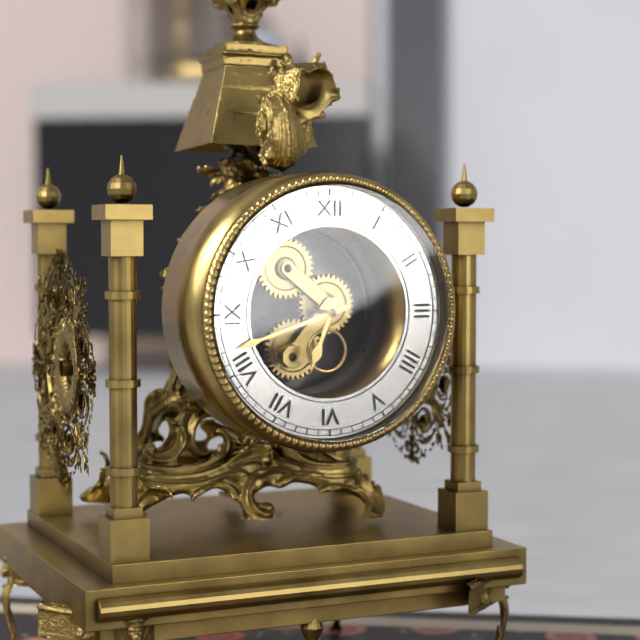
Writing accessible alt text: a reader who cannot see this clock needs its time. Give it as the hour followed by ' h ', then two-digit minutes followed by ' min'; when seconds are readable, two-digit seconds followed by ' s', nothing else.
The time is 6 h 42 min
